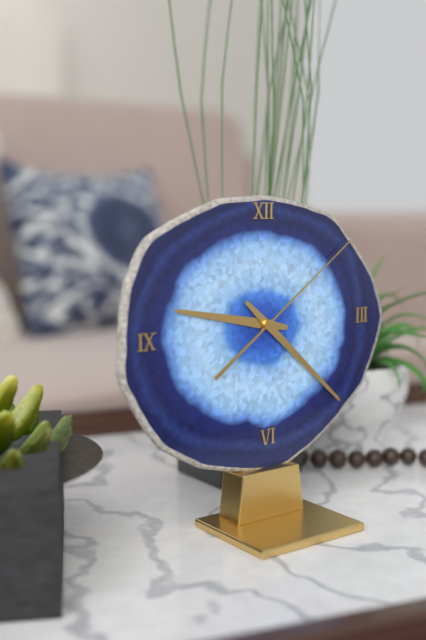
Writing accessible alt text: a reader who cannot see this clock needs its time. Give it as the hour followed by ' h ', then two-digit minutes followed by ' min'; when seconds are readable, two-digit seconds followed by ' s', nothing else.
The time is 9 h 22 min 09 s
